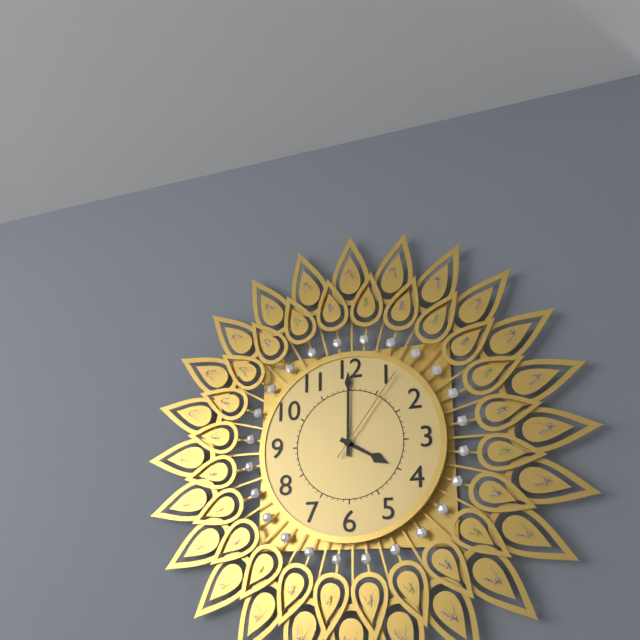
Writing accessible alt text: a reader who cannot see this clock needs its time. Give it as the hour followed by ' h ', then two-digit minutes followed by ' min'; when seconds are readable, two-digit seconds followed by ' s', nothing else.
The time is 4 h 00 min 06 s
